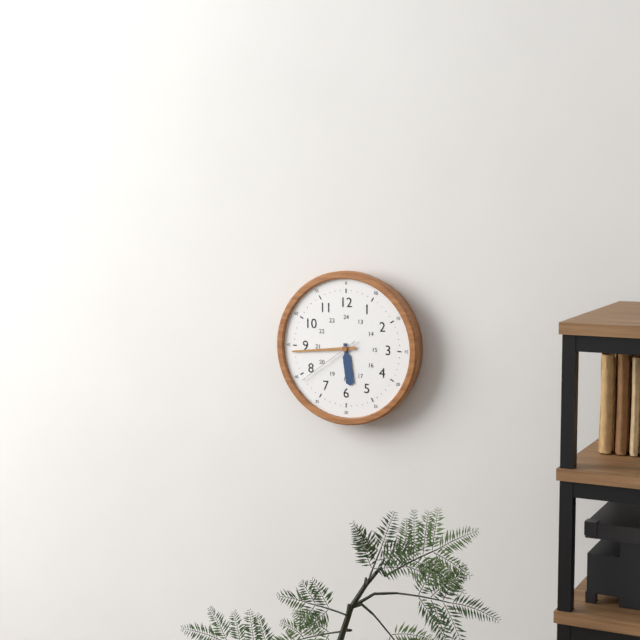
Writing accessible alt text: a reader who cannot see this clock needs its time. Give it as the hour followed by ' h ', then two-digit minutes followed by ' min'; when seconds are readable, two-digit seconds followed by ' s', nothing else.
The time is 5 h 44 min 39 s
